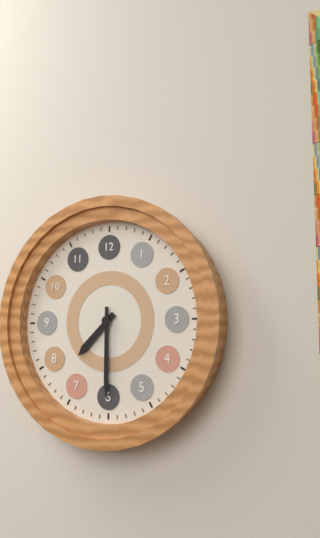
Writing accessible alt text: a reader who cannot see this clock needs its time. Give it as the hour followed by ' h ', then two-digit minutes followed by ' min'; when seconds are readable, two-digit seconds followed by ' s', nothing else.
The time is 7 h 30 min
